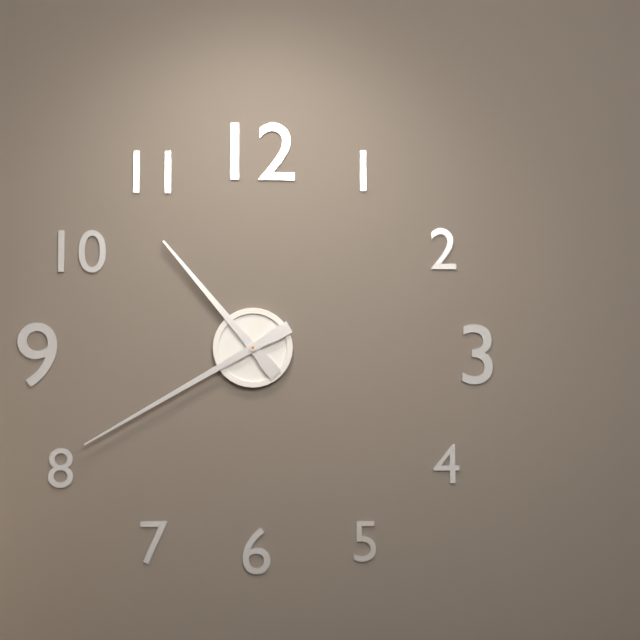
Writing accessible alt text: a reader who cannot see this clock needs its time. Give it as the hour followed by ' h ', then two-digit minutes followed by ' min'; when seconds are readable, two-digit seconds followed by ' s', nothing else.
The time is 10 h 40 min
